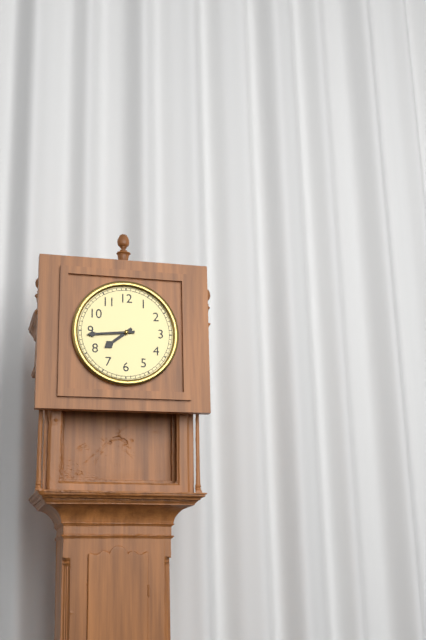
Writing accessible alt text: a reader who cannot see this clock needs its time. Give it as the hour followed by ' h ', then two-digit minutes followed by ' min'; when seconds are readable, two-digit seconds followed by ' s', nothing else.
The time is 7 h 44 min
